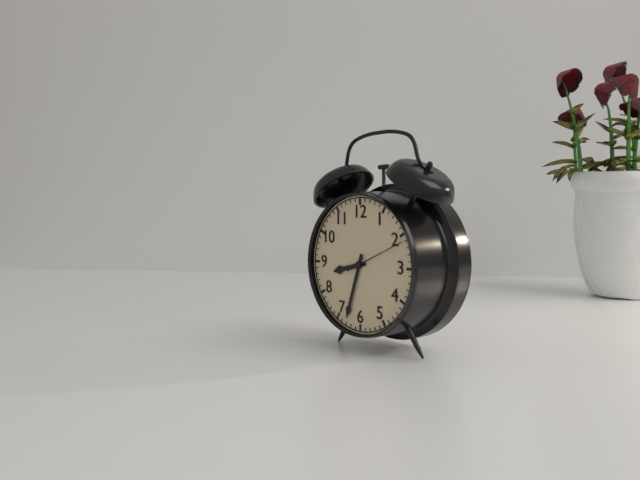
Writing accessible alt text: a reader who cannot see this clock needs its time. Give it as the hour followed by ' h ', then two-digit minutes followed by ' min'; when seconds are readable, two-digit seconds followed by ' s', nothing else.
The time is 8 h 33 min 11 s
